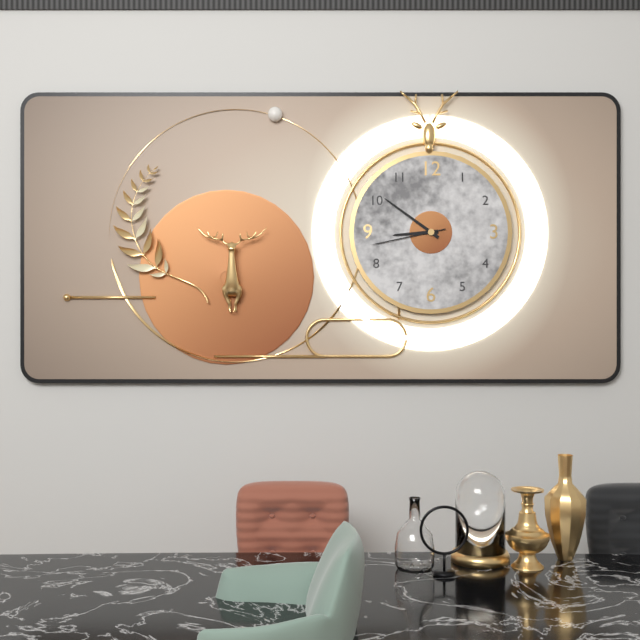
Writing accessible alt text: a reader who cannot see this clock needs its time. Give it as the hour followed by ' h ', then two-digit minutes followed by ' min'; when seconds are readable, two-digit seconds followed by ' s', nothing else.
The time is 8 h 51 min 43 s
